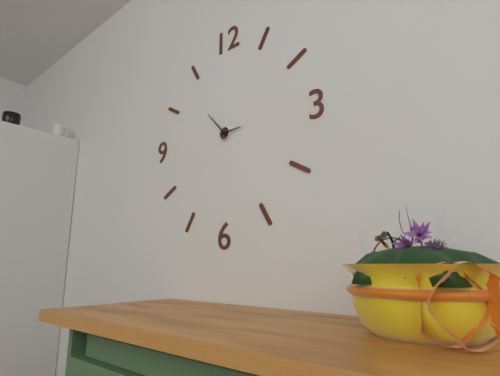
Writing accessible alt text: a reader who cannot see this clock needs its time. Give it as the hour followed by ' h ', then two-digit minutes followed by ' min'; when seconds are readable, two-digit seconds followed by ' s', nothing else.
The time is 2 h 53 min
